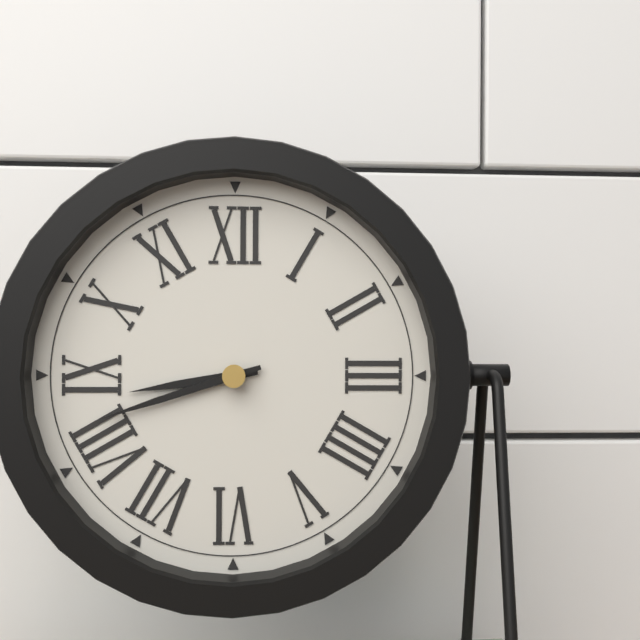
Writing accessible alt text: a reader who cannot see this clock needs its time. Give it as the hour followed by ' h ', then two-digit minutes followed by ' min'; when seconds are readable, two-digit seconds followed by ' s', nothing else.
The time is 8 h 42 min
